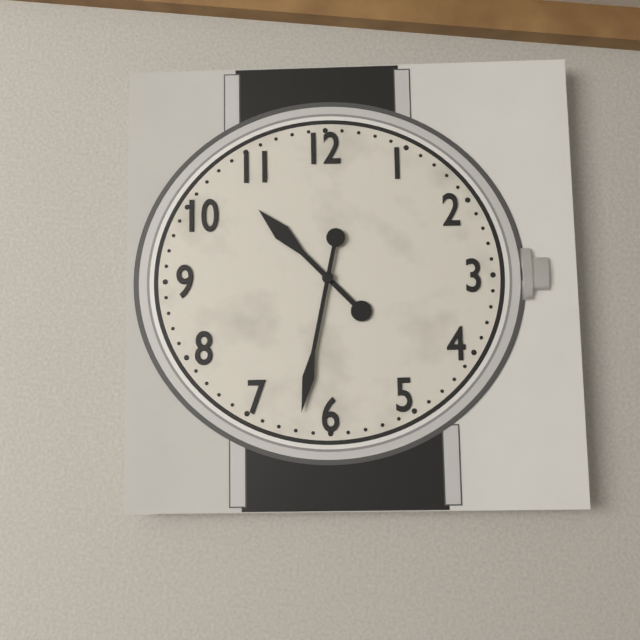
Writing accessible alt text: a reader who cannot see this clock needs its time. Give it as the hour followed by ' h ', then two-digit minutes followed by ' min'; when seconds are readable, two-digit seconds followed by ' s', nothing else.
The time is 10 h 32 min
